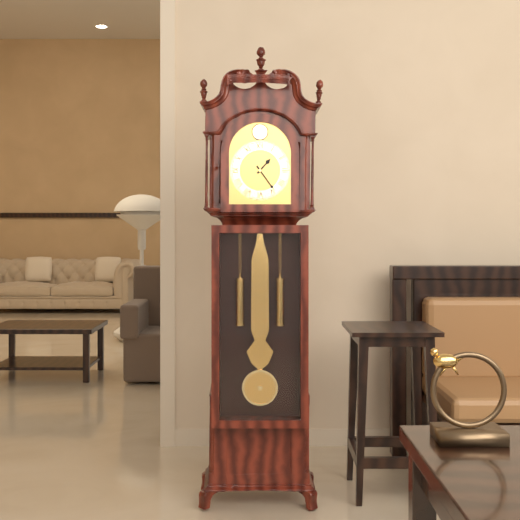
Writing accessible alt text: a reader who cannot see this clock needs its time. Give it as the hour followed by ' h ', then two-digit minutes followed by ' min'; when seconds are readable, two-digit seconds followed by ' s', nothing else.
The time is 1 h 24 min
